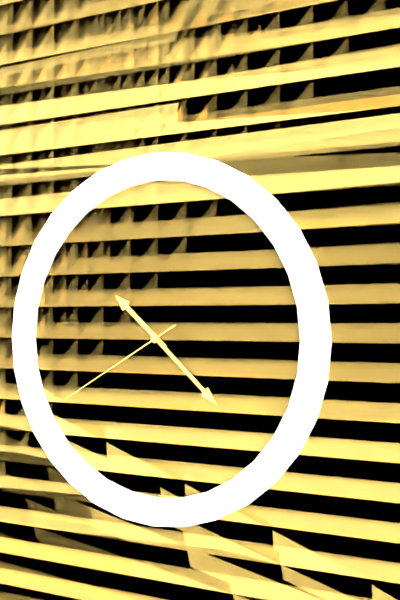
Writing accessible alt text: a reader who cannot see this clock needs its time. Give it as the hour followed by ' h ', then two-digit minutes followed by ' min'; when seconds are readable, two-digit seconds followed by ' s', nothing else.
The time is 10 h 22 min 40 s
